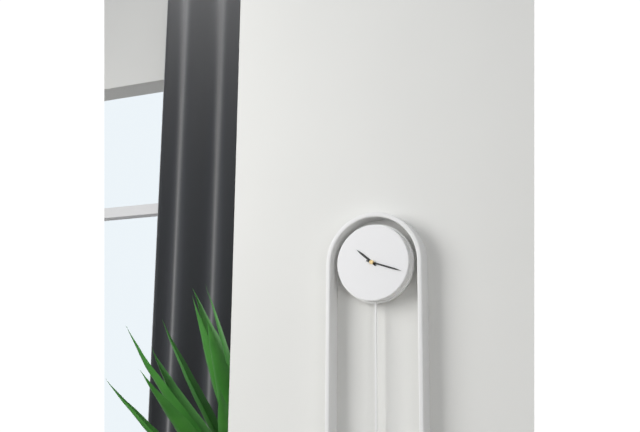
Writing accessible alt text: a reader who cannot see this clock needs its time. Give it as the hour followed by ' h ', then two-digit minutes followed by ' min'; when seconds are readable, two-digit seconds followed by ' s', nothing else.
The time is 10 h 18 min
